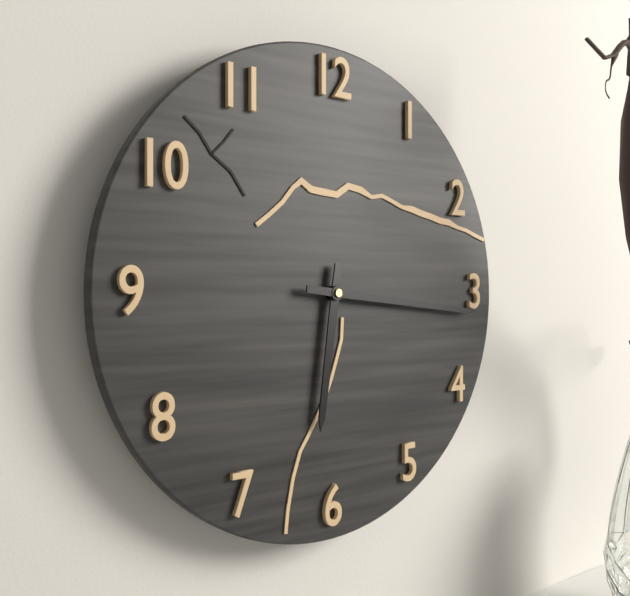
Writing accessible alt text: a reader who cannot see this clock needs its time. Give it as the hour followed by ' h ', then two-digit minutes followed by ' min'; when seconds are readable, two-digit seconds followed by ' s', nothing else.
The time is 6 h 16 min
